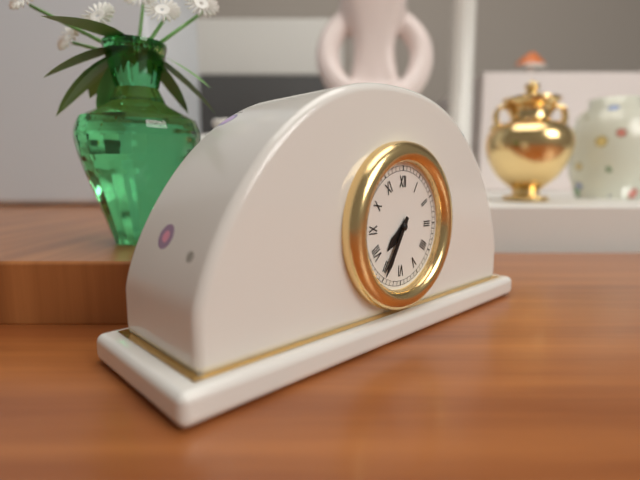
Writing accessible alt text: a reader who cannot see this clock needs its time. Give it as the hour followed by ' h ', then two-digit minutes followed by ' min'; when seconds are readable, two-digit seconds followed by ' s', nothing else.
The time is 7 h 35 min
